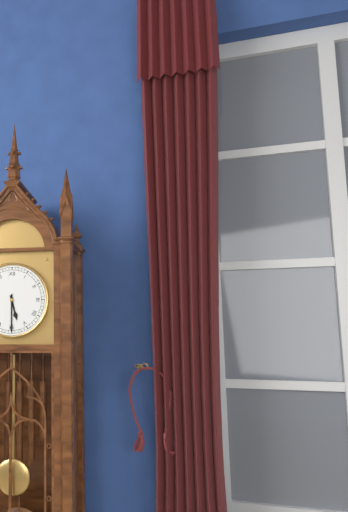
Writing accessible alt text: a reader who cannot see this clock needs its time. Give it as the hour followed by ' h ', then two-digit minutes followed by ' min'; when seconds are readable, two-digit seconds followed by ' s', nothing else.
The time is 5 h 30 min
